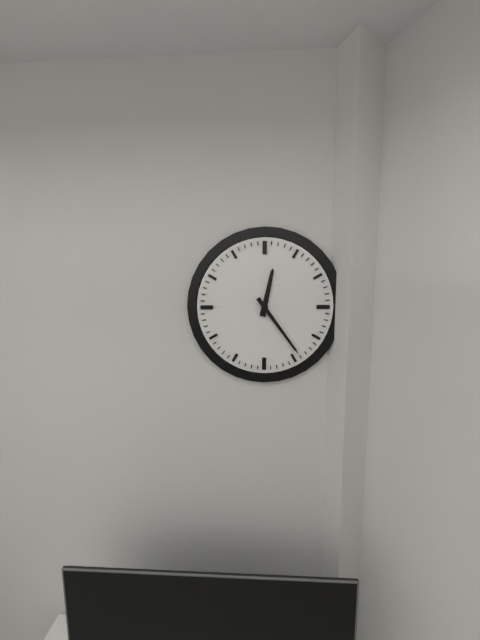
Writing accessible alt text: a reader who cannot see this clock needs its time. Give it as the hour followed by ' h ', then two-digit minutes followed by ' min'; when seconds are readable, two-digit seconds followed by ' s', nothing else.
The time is 12 h 24 min
